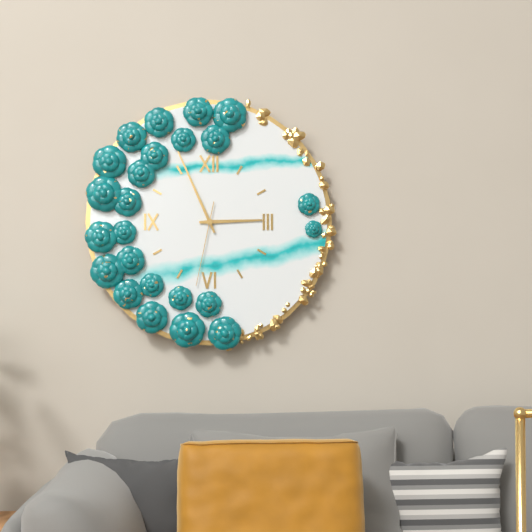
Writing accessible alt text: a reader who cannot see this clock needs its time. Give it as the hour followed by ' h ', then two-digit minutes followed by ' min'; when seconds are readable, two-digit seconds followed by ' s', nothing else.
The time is 2 h 56 min 32 s
